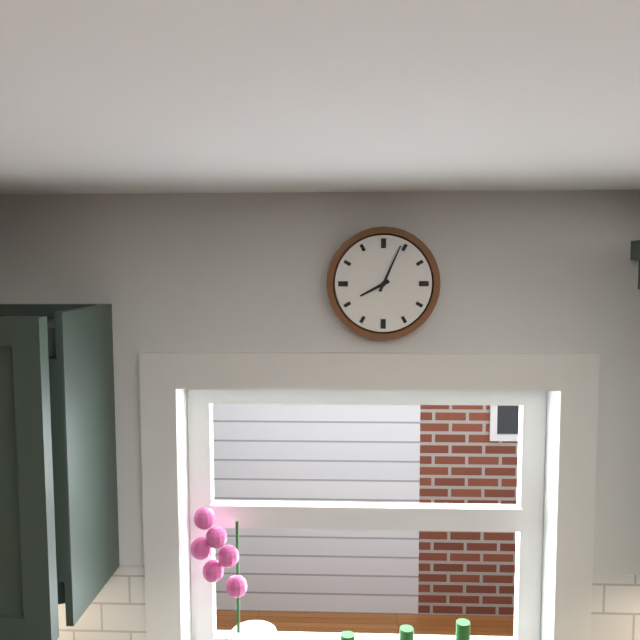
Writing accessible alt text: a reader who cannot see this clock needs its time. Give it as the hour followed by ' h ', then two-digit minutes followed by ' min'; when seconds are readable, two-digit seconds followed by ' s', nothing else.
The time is 8 h 04 min
